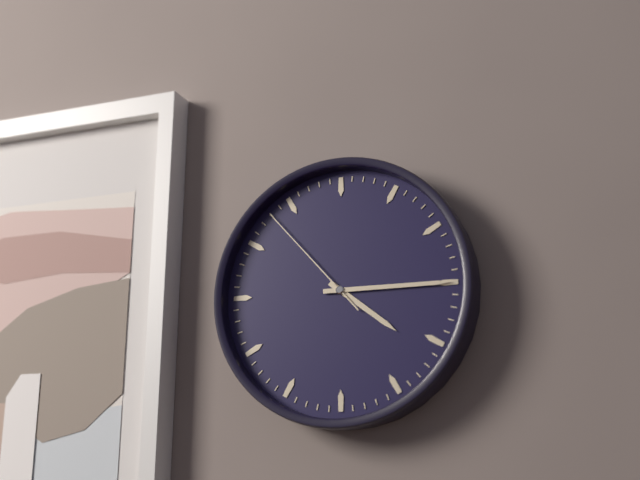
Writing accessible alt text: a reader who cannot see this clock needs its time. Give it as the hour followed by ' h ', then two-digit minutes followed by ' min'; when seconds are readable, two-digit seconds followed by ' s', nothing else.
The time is 4 h 15 min 53 s
